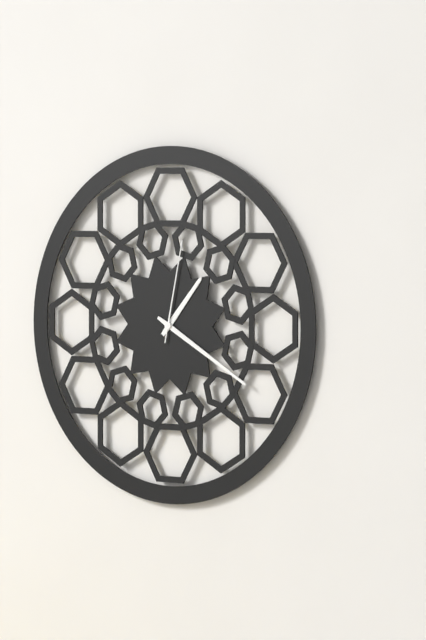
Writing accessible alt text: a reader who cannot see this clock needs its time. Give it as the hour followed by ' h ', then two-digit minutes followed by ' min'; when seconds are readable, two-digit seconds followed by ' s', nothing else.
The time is 1 h 20 min 02 s
